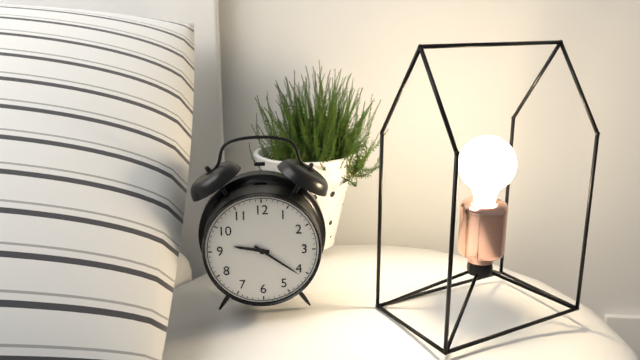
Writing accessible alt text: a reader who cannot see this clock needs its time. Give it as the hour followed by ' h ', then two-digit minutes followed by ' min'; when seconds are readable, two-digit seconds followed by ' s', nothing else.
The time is 9 h 21 min
